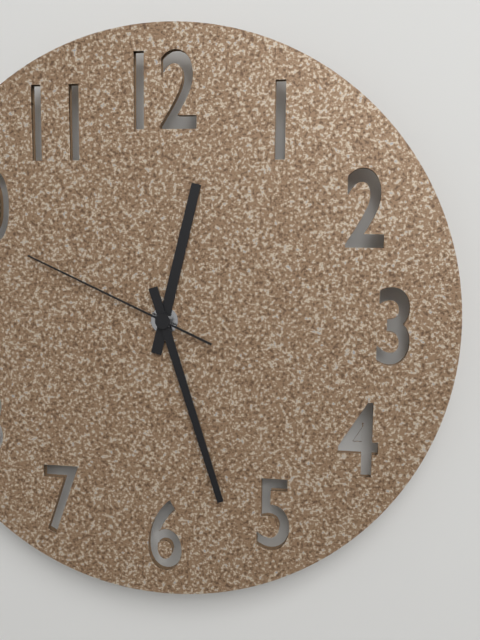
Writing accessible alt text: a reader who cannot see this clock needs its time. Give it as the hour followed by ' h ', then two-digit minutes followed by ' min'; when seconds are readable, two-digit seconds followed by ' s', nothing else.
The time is 12 h 27 min 49 s
